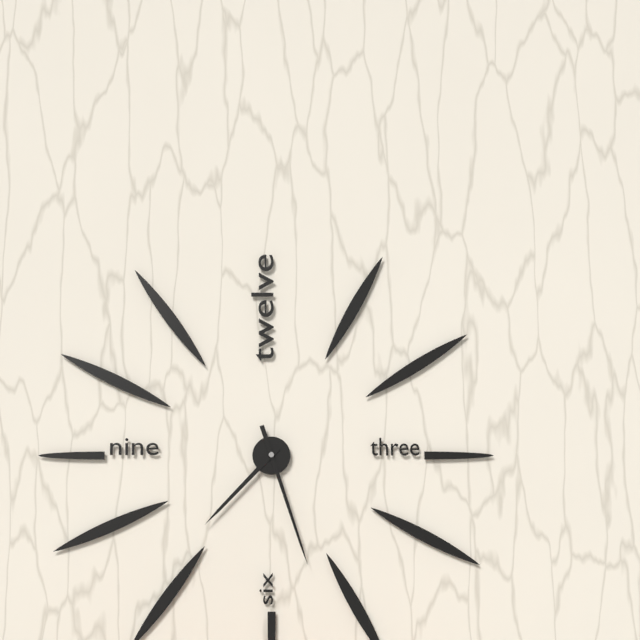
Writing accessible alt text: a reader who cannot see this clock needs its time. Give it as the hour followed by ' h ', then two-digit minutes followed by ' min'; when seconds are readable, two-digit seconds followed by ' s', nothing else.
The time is 7 h 27 min
